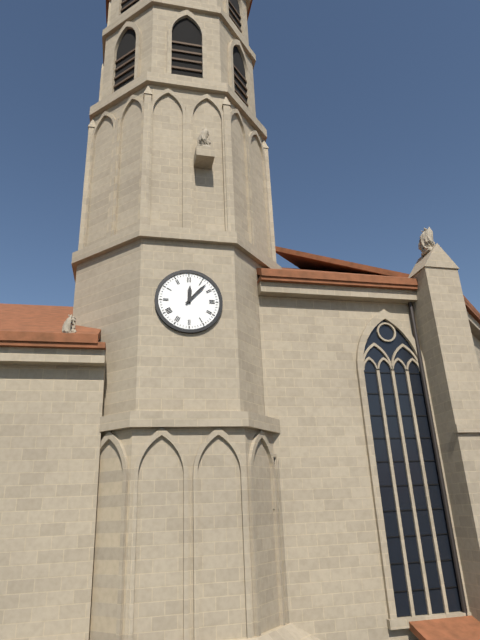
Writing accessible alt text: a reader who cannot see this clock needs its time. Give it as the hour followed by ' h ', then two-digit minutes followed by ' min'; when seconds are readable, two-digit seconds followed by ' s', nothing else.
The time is 12 h 07 min
